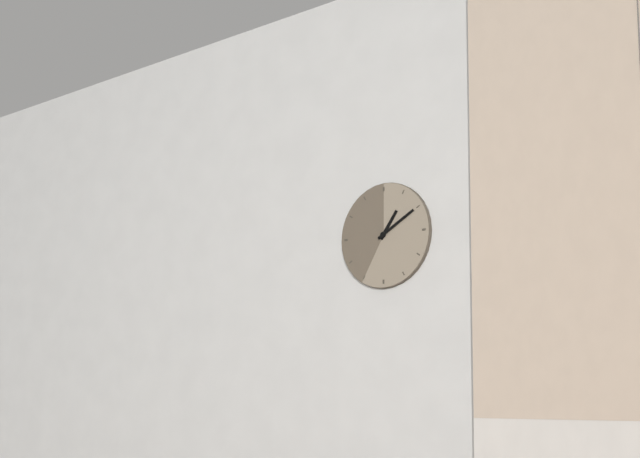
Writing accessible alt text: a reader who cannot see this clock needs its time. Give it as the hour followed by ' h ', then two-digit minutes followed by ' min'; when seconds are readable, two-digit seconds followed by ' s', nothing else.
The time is 1 h 10 min
